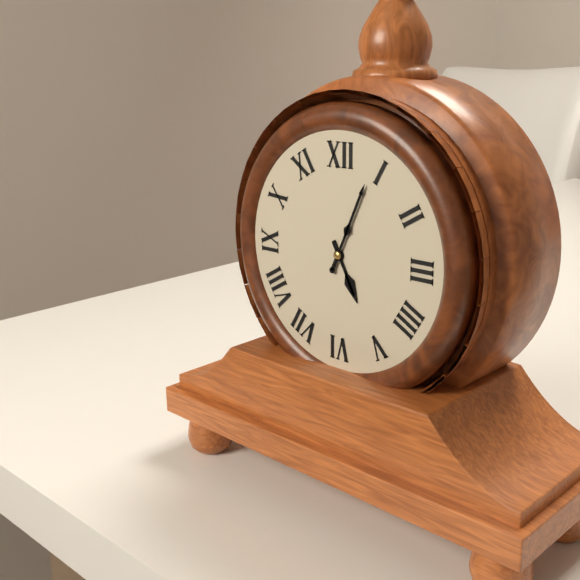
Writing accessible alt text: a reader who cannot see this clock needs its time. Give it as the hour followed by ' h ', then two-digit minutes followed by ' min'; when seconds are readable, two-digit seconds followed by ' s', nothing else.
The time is 5 h 04 min
